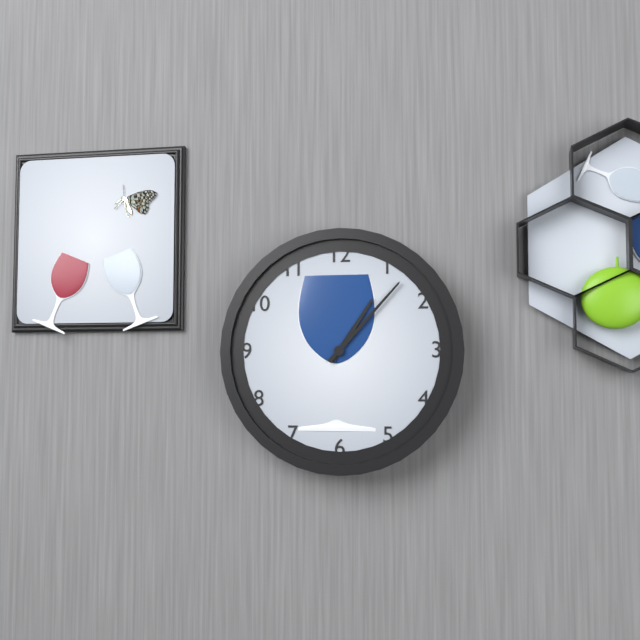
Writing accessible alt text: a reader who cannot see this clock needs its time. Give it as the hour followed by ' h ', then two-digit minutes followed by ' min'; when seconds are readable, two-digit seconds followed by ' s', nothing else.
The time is 1 h 07 min
